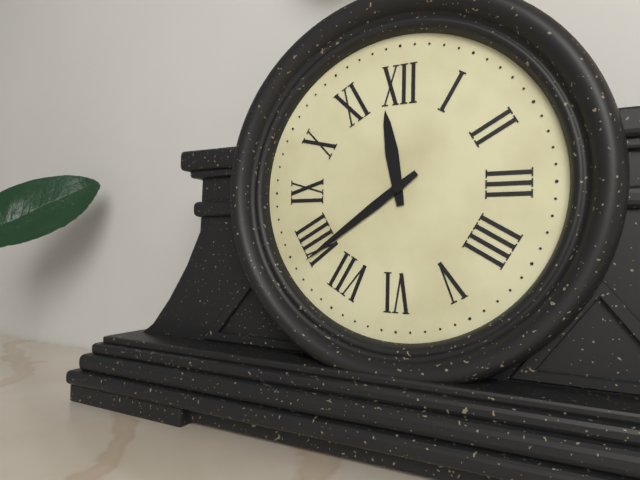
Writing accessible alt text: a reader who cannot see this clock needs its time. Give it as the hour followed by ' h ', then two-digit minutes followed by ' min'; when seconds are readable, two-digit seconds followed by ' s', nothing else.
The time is 11 h 39 min
